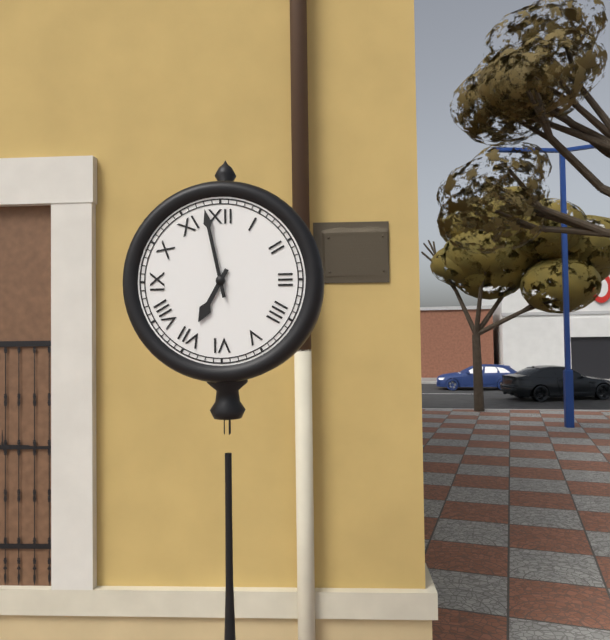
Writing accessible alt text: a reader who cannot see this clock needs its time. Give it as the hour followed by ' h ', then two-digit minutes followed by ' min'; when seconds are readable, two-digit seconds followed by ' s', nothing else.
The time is 6 h 58 min
